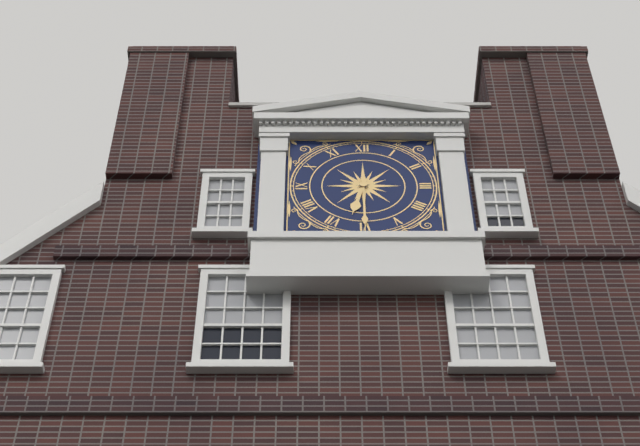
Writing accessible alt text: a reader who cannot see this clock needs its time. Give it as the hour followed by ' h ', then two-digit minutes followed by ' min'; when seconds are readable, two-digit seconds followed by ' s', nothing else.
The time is 6 h 30 min
